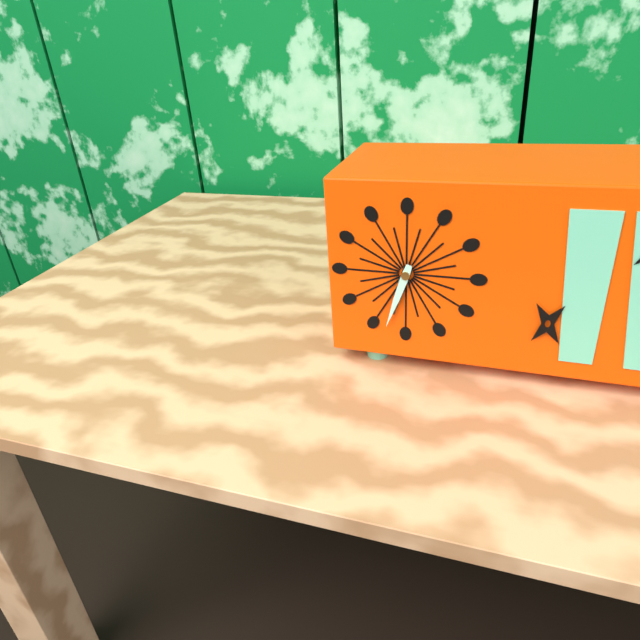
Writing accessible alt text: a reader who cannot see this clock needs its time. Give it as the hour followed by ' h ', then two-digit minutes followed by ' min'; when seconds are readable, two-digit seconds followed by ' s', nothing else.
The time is 6 h 33 min
